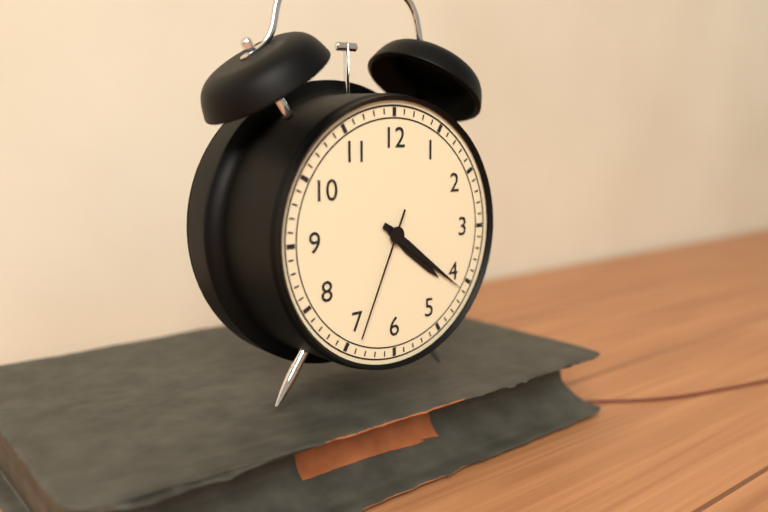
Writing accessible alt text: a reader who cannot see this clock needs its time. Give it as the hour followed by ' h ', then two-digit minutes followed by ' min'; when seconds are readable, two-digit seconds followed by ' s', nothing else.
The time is 4 h 21 min 34 s
